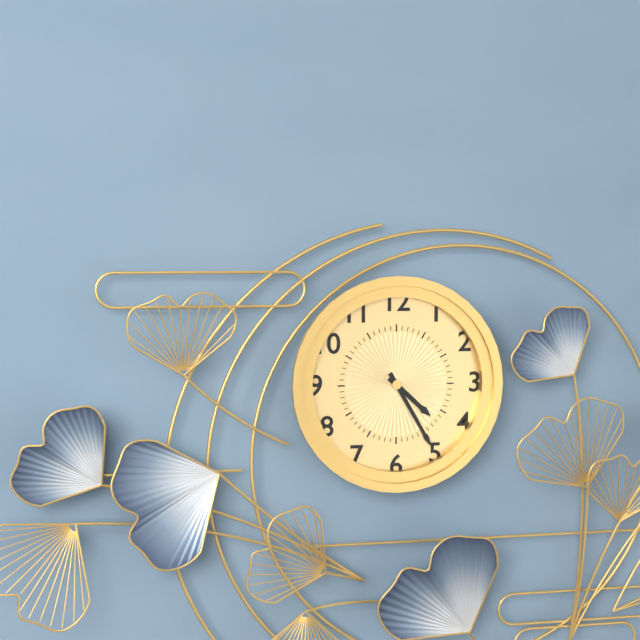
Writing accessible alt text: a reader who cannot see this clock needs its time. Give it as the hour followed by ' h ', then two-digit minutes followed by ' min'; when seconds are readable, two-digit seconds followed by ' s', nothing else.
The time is 4 h 25 min
